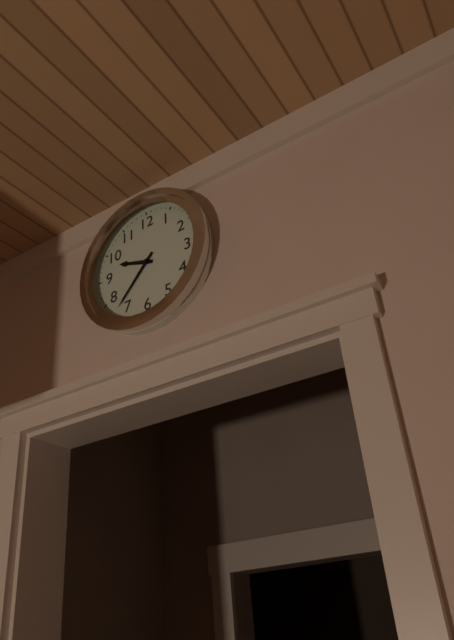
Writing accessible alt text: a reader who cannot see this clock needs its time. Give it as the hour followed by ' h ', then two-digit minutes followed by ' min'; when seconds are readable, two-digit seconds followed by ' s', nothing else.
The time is 9 h 37 min
